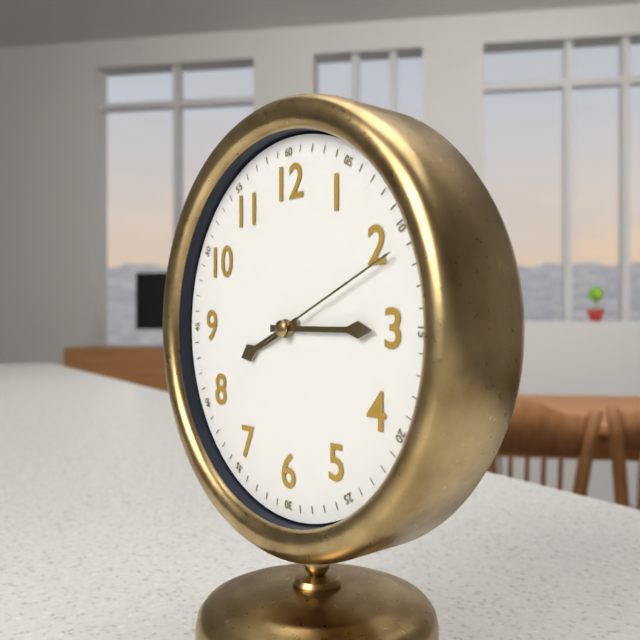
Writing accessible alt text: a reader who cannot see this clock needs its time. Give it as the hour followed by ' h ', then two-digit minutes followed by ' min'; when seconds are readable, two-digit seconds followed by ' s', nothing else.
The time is 8 h 15 min 11 s
